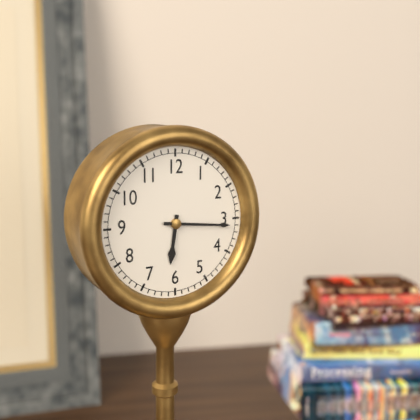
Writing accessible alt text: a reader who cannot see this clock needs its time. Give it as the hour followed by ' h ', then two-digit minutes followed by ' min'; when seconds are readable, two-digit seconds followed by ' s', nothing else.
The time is 6 h 16 min
